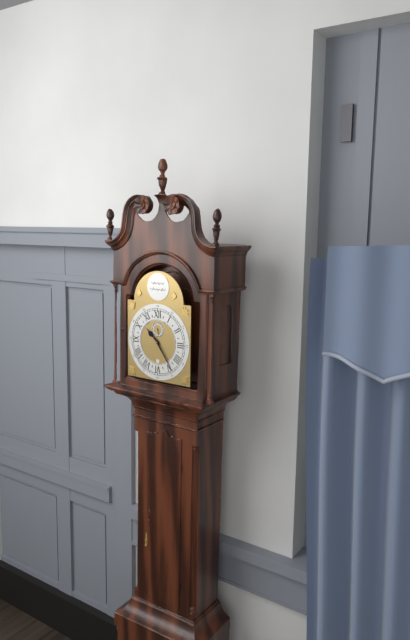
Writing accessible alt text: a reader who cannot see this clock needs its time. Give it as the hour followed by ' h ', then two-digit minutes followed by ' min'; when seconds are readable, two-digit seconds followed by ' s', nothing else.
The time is 10 h 24 min
